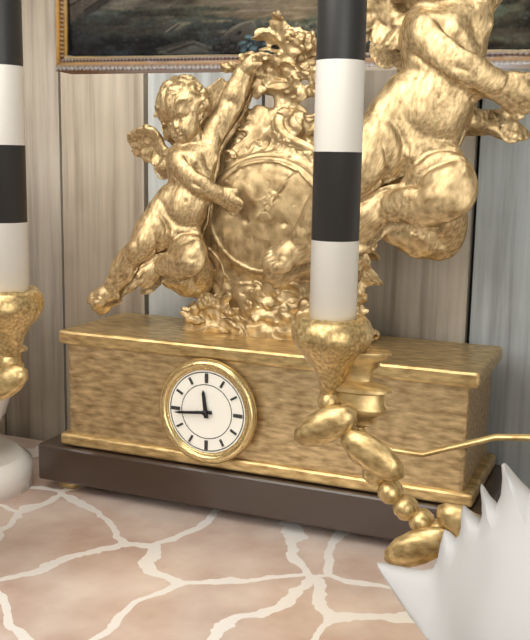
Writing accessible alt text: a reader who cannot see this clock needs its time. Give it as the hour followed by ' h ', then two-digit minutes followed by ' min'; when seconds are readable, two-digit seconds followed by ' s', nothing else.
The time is 11 h 44 min
